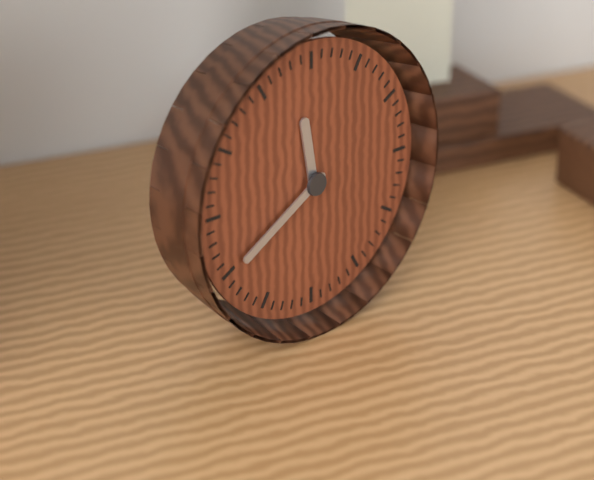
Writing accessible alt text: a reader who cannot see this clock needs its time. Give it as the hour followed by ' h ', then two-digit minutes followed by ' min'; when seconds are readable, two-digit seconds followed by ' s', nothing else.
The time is 11 h 40 min
